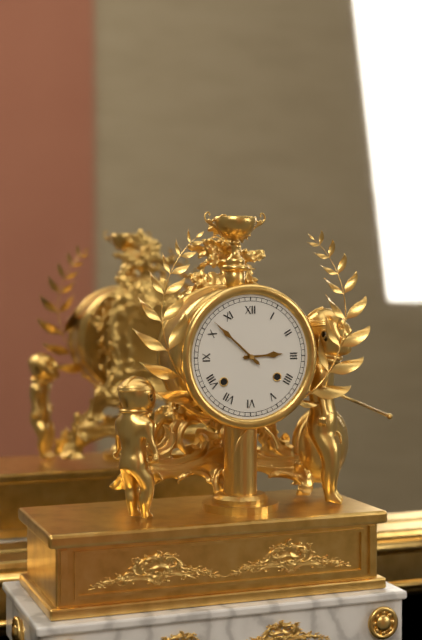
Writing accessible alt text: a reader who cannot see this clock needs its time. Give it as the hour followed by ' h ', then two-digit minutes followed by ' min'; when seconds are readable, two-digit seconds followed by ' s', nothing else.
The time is 2 h 52 min
